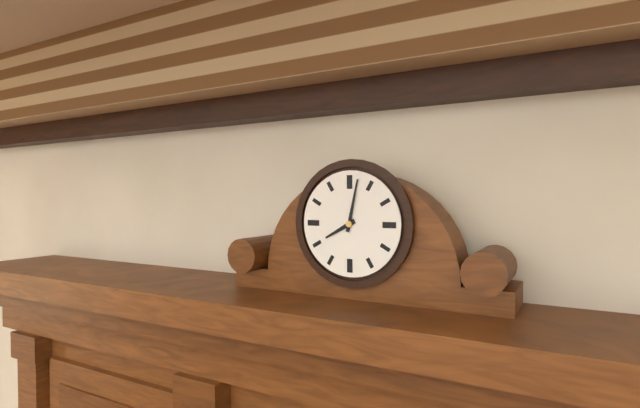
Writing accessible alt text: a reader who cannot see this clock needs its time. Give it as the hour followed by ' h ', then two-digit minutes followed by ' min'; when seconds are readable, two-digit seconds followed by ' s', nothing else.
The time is 8 h 02 min
